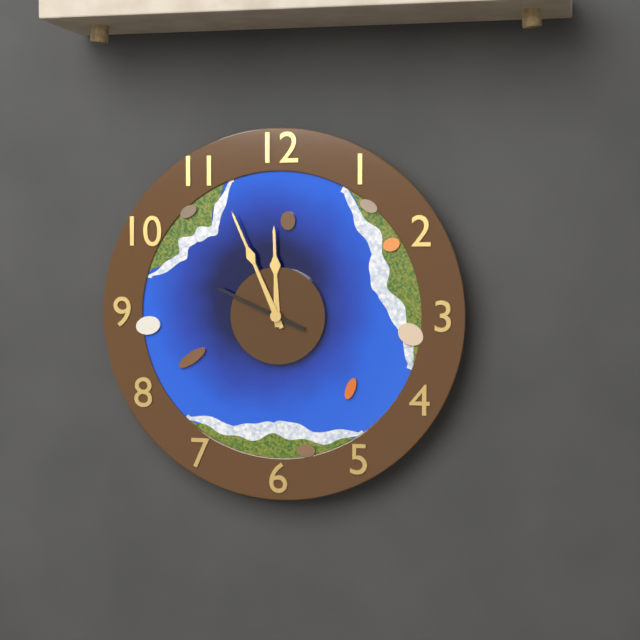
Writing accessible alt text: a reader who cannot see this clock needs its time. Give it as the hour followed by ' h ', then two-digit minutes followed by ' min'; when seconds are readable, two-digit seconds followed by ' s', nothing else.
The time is 11 h 56 min 49 s
